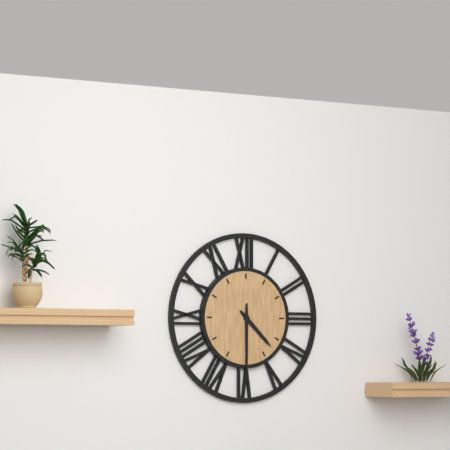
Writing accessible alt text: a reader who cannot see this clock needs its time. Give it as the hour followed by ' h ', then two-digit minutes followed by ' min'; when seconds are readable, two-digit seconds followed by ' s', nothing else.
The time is 4 h 30 min
